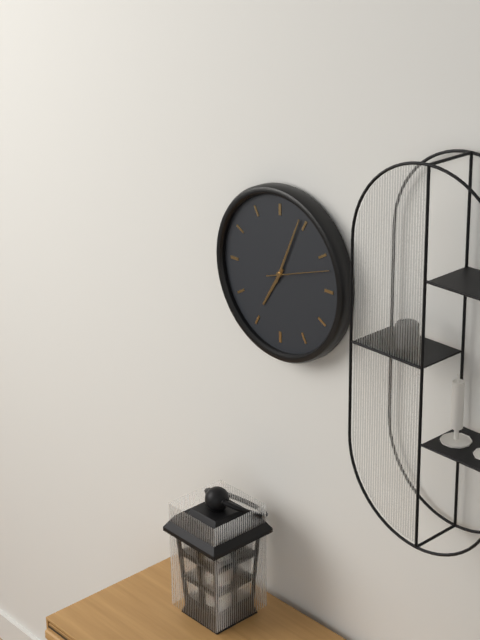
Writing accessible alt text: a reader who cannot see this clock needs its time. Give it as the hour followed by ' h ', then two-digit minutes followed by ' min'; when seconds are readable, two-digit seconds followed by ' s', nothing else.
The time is 7 h 04 min
